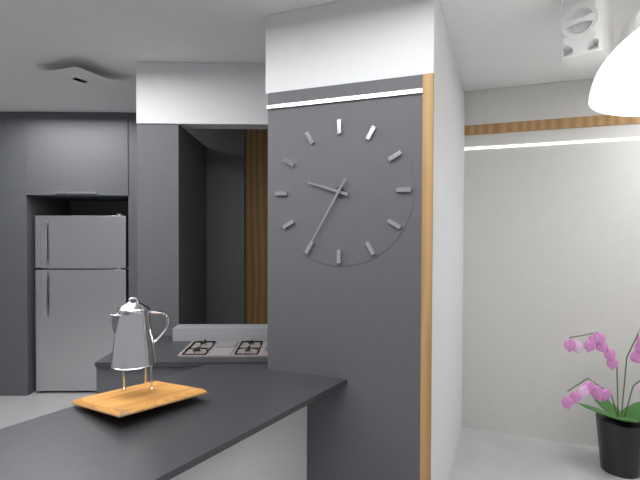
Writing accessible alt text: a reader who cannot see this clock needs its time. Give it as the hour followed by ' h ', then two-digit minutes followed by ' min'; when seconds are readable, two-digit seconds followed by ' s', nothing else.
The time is 9 h 35 min
